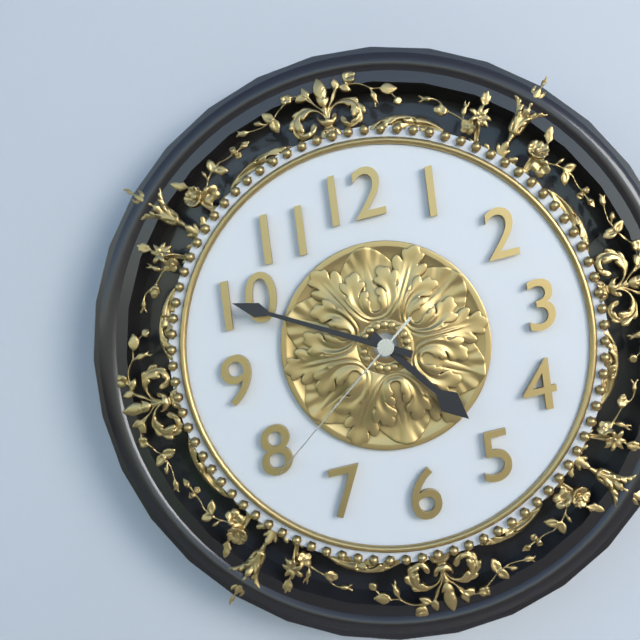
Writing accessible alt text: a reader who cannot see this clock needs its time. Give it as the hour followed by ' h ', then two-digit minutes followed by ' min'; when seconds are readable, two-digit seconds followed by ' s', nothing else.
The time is 4 h 50 min 39 s
